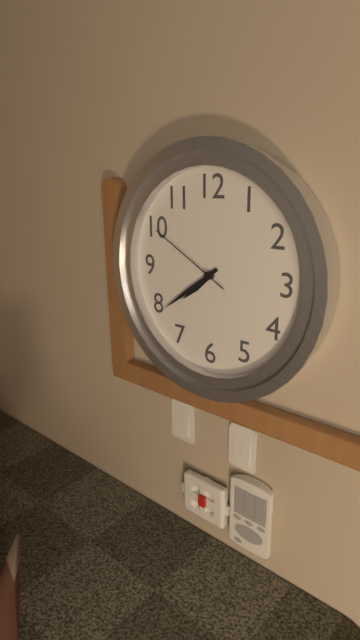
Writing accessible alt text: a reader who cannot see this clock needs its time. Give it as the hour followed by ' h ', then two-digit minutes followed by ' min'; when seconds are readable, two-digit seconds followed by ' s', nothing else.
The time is 7 h 39 min 50 s
